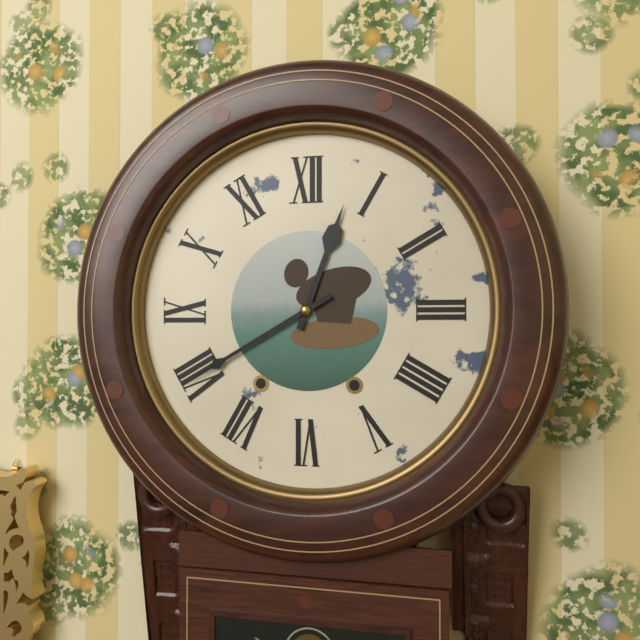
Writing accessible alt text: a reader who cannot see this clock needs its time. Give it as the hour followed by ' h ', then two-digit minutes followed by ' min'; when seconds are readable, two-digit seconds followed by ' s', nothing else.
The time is 12 h 40 min
